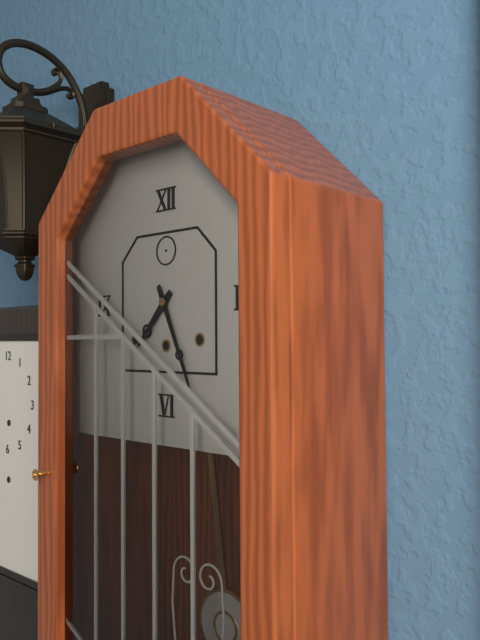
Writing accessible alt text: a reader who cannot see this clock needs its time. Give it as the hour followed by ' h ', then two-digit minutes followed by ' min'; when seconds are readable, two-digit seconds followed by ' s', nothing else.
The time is 7 h 26 min
